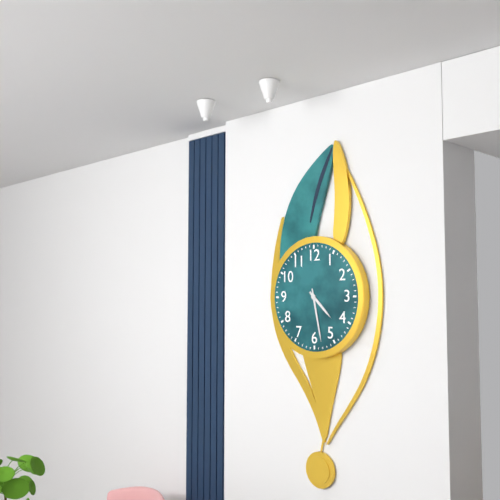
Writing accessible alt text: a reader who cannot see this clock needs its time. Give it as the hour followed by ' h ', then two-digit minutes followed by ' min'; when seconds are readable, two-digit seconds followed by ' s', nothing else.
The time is 4 h 28 min
